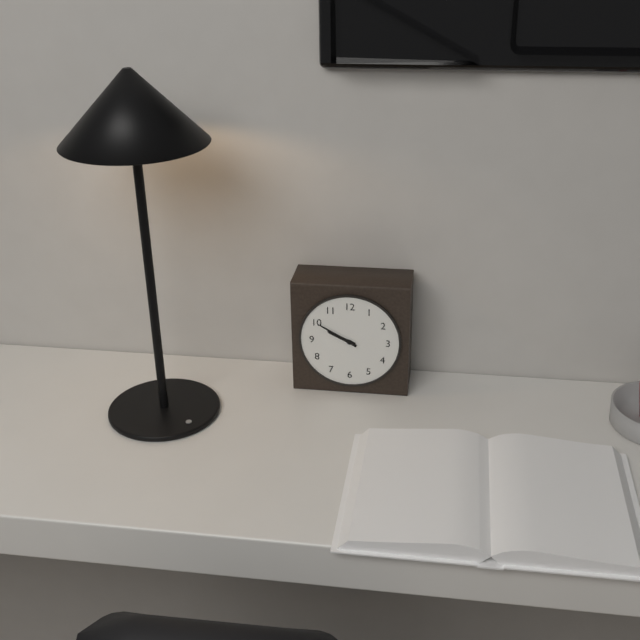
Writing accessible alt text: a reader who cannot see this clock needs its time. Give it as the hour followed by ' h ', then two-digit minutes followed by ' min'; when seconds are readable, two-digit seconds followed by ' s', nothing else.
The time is 9 h 50 min
